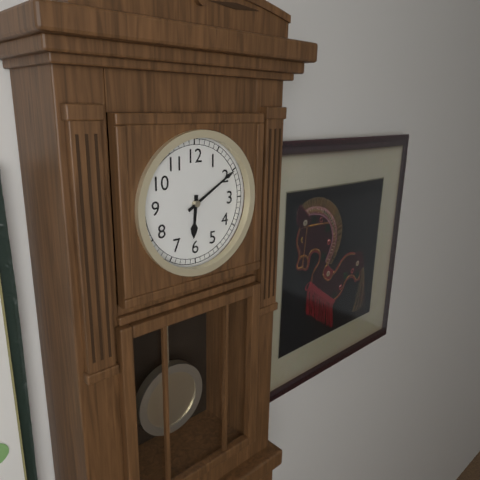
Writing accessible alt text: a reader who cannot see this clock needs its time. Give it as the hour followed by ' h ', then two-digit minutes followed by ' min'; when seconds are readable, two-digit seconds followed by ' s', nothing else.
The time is 6 h 10 min
